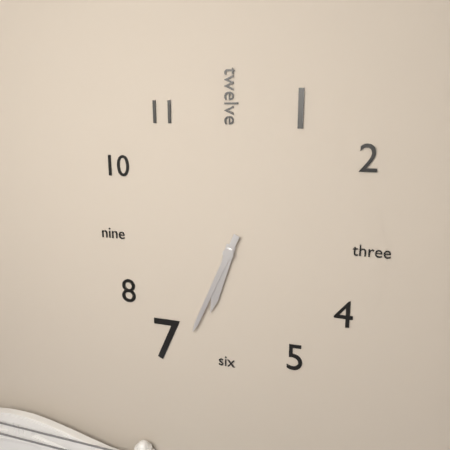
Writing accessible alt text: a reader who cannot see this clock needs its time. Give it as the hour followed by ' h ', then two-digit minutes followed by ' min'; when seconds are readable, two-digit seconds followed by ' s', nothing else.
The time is 6 h 34 min
